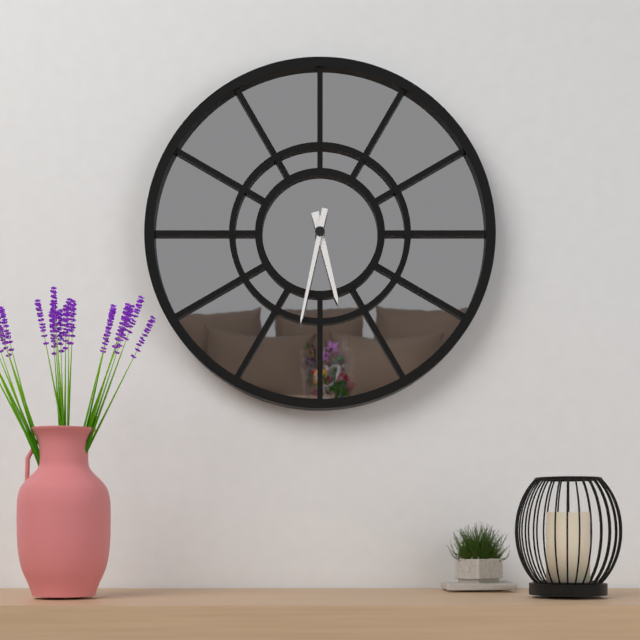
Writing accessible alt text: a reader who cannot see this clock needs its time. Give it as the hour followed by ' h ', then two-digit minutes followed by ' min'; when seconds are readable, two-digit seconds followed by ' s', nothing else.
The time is 5 h 32 min
